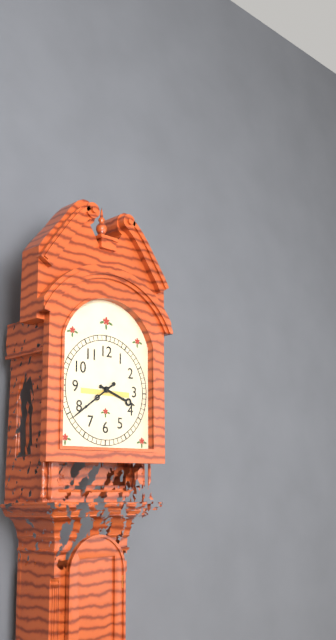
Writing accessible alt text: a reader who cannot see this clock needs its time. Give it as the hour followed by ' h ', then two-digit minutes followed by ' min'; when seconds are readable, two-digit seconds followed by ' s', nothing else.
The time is 3 h 39 min
